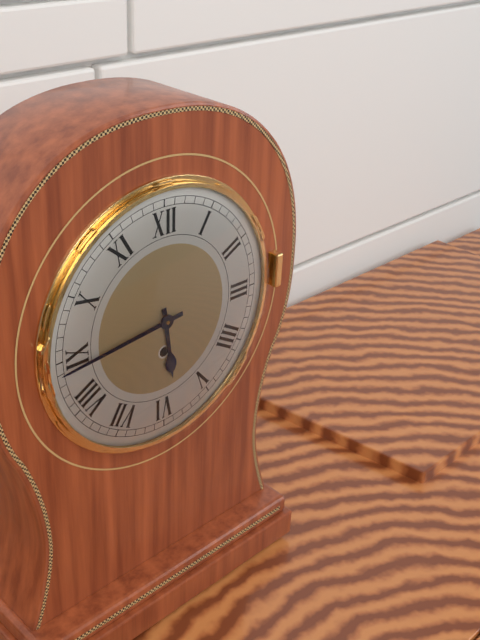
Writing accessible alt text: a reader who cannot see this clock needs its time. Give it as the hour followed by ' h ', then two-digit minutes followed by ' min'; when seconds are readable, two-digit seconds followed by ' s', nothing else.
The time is 5 h 44 min
